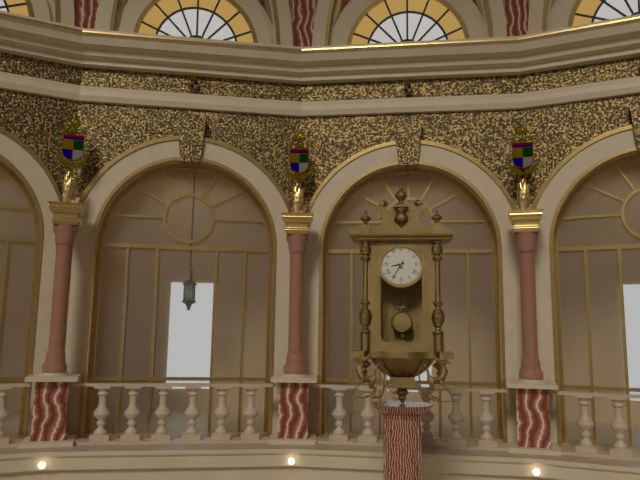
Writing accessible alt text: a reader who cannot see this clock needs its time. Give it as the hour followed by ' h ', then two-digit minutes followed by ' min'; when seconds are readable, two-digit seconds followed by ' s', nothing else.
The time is 8 h 35 min
